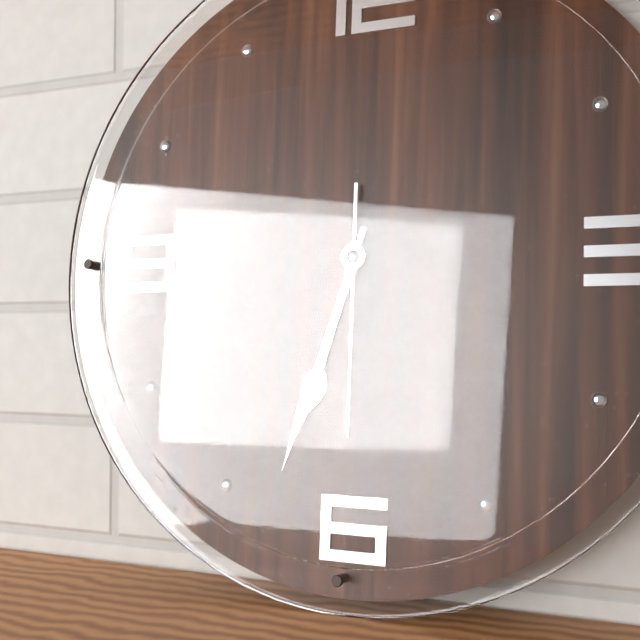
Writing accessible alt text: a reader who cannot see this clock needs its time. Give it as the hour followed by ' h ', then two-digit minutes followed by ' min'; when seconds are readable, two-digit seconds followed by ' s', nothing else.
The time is 6 h 33 min 30 s
